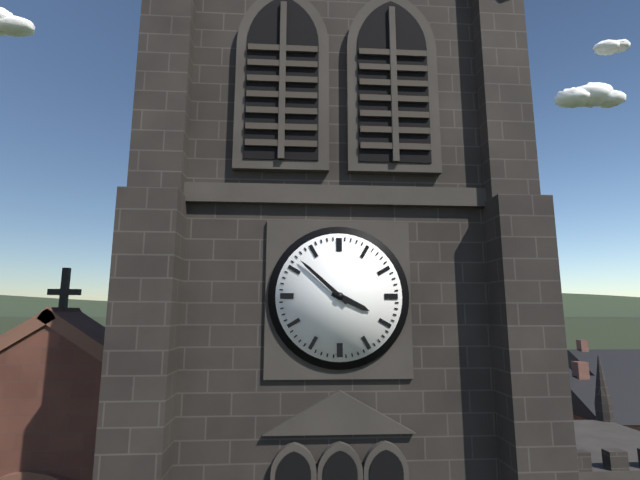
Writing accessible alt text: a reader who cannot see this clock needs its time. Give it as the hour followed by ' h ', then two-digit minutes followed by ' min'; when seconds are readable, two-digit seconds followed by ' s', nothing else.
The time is 3 h 52 min
